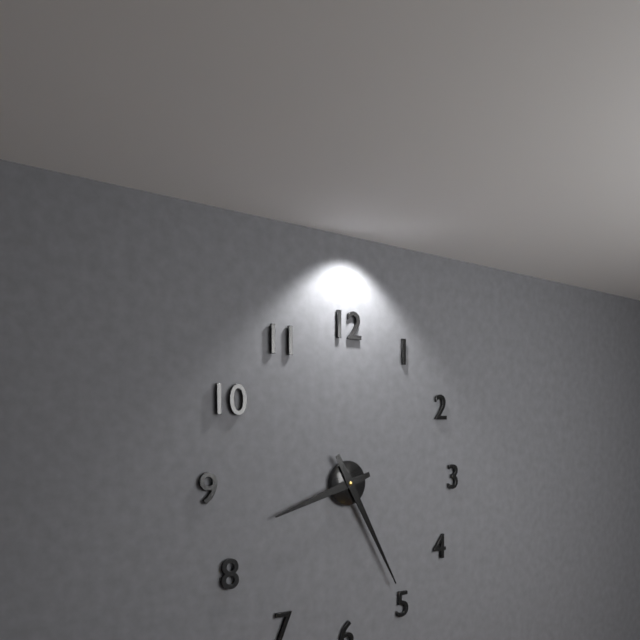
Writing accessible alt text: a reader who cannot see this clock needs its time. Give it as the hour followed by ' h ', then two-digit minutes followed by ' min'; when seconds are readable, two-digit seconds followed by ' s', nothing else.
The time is 8 h 25 min
